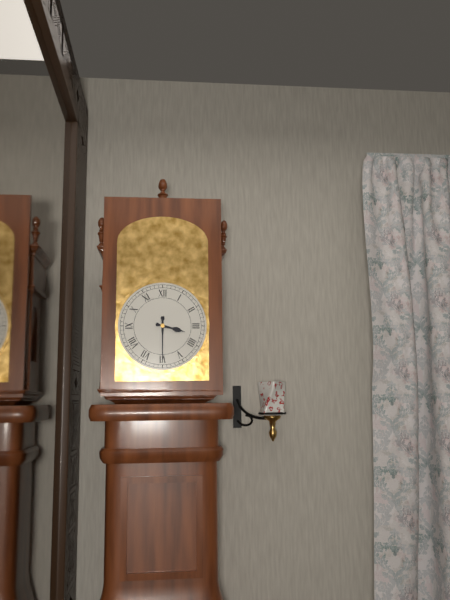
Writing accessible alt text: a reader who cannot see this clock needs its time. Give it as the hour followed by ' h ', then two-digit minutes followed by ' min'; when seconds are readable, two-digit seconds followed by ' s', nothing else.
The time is 3 h 30 min
